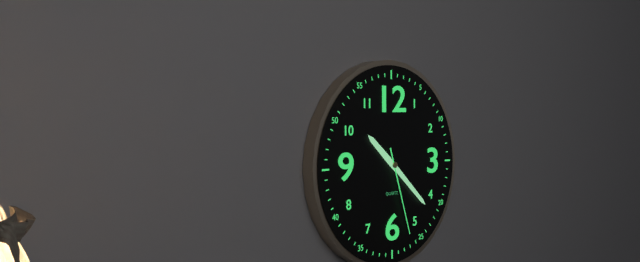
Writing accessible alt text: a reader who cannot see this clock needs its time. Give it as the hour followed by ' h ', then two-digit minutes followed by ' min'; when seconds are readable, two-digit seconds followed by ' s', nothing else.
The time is 10 h 22 min 27 s
